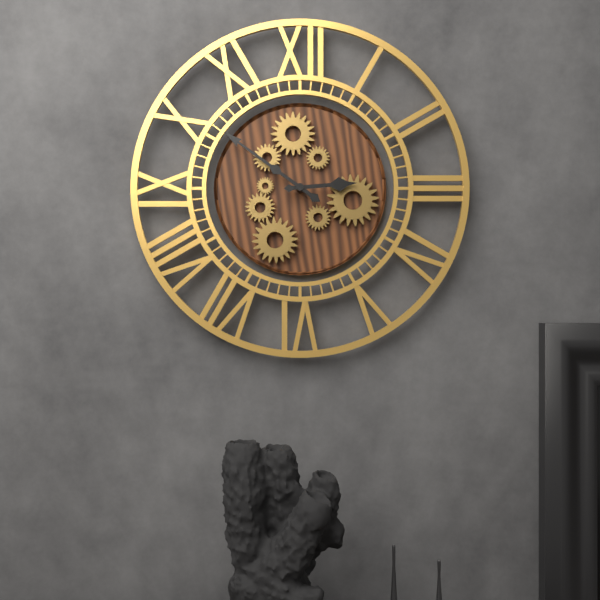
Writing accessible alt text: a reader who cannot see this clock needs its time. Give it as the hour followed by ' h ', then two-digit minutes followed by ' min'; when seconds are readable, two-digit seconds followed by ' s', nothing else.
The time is 2 h 51 min
